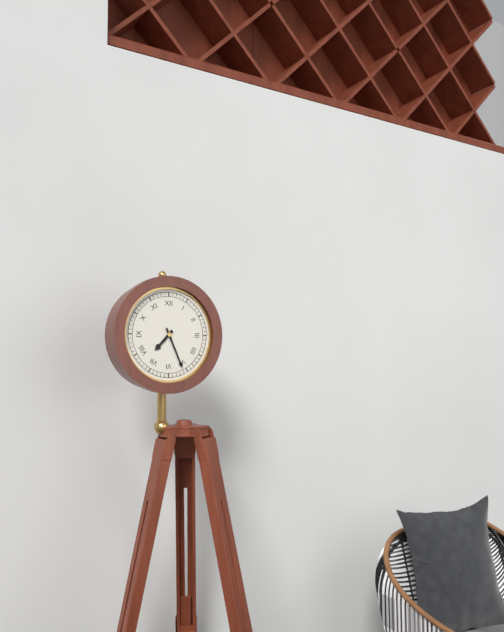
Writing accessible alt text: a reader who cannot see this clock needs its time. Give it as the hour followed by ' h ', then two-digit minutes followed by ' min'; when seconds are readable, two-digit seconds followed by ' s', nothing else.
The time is 7 h 26 min
